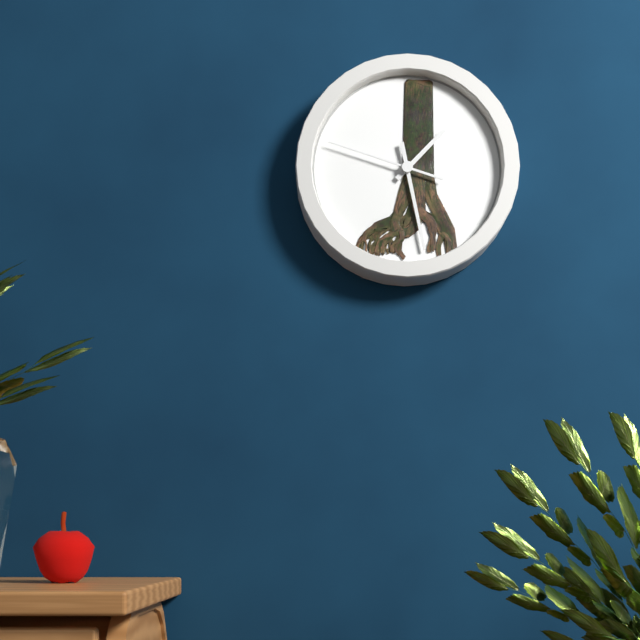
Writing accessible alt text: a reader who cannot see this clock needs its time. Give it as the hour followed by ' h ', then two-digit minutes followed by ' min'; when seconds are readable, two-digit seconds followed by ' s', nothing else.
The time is 1 h 28 min 48 s
